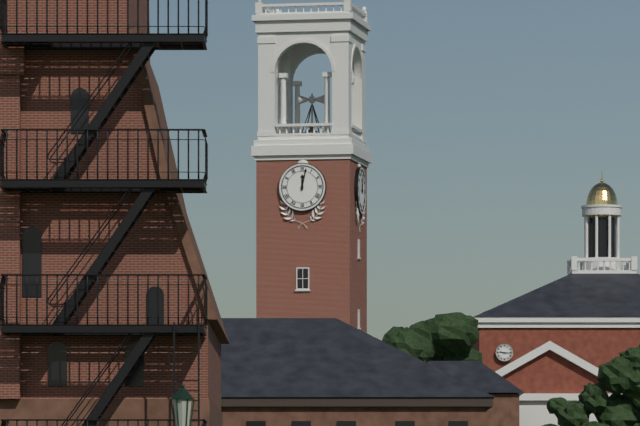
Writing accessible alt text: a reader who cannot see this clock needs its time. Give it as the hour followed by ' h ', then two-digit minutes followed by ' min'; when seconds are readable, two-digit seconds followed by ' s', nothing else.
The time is 12 h 02 min
